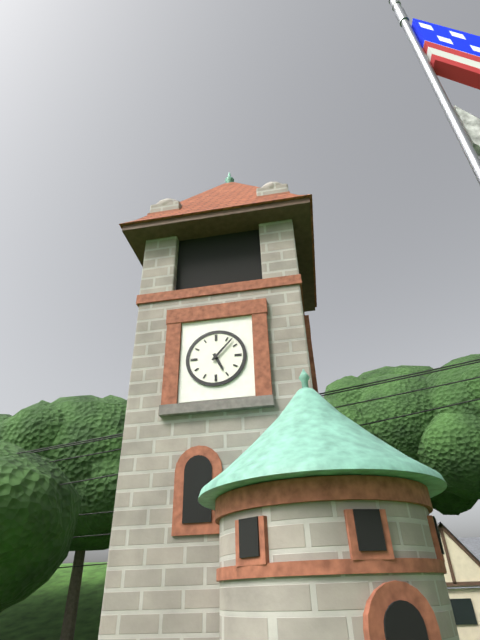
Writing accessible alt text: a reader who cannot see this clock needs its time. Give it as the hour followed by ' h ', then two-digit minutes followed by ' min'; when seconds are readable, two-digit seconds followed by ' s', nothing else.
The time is 5 h 07 min
